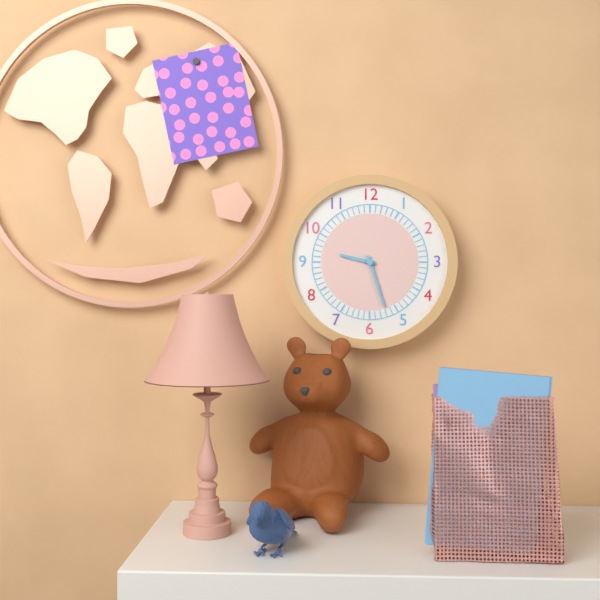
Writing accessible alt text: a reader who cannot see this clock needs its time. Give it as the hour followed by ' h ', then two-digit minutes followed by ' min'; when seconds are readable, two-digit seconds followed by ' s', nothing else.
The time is 9 h 27 min
